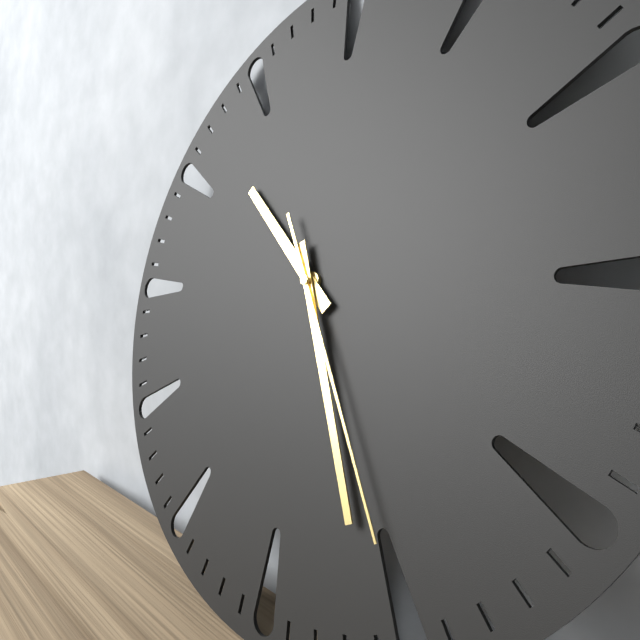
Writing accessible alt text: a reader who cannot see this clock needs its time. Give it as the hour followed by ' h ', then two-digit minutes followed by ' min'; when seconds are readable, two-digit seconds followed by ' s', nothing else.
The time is 10 h 26 min 25 s
